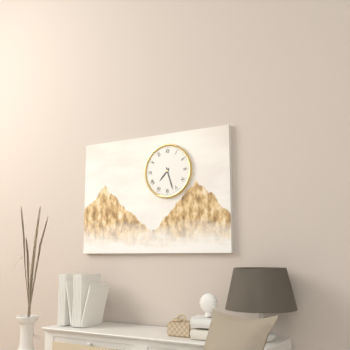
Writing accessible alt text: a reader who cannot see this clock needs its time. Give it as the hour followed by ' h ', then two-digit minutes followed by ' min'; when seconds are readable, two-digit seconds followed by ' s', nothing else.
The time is 7 h 27 min
